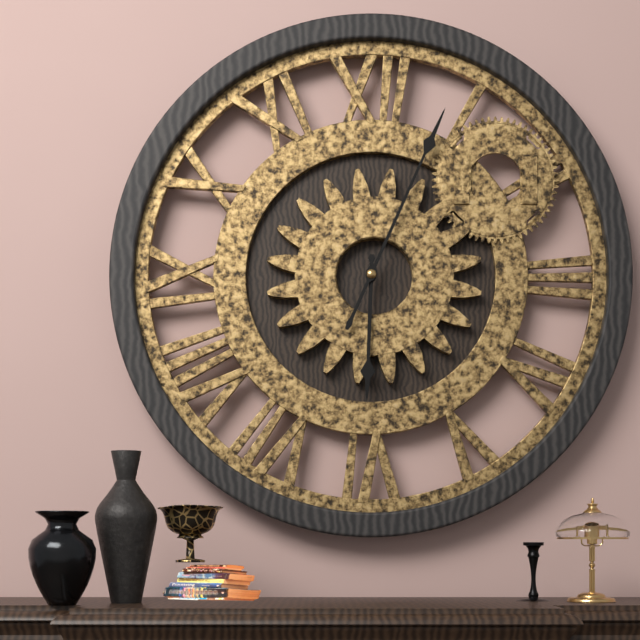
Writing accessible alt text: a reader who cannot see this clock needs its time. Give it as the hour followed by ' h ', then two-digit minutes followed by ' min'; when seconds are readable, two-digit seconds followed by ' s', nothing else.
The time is 6 h 04 min
